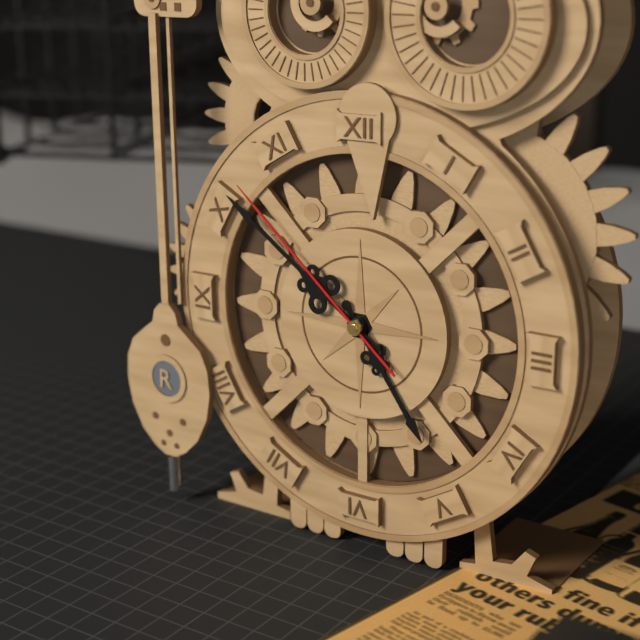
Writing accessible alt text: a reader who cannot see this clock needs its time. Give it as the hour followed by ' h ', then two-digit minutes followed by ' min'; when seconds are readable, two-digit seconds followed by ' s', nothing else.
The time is 4 h 51 min 52 s
